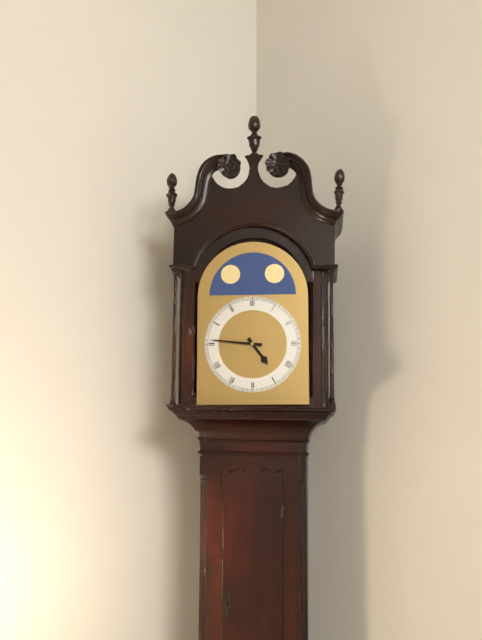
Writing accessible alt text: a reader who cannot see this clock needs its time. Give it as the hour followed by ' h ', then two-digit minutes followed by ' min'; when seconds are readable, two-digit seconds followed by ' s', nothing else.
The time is 4 h 46 min
